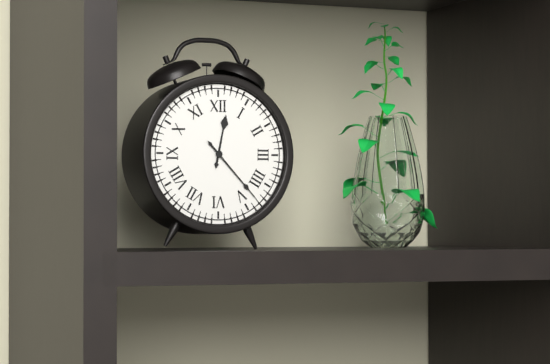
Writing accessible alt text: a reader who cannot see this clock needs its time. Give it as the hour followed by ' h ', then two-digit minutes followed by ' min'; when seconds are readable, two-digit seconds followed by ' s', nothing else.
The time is 12 h 23 min
